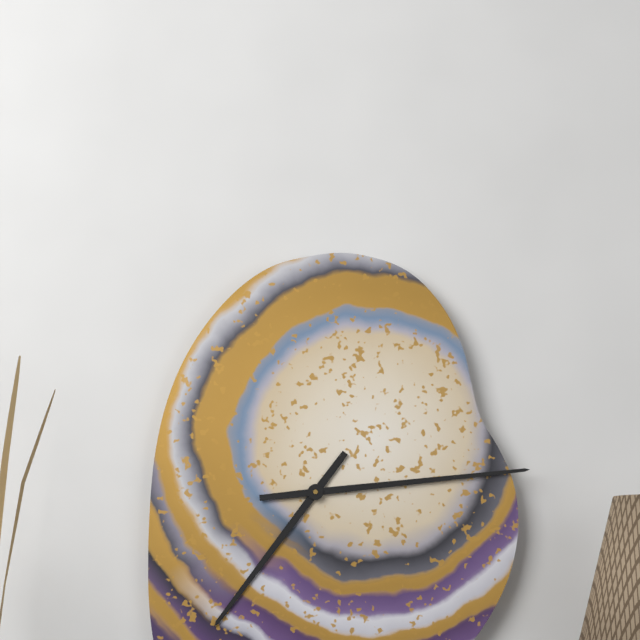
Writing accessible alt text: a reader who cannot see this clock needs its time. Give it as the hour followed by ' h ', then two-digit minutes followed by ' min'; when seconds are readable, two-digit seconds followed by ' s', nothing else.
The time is 7 h 14 min
